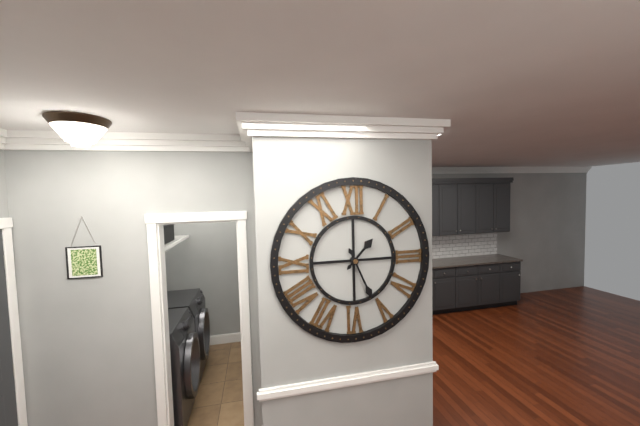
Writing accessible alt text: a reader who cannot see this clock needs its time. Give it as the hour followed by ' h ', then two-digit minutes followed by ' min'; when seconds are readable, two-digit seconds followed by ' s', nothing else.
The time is 1 h 26 min
